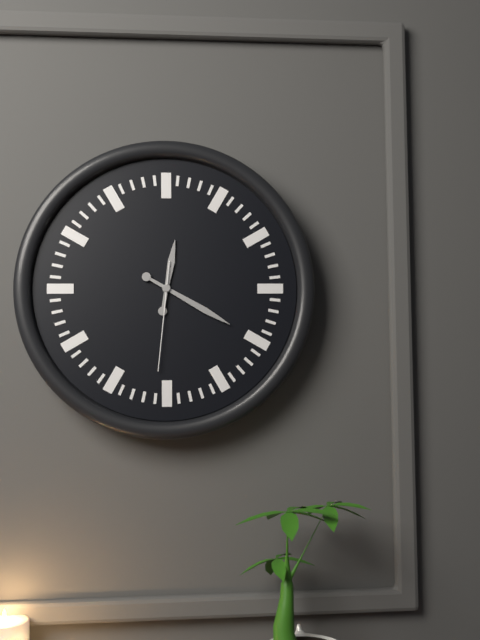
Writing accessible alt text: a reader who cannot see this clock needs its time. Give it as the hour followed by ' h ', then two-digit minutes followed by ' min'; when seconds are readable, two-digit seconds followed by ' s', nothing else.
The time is 12 h 20 min 31 s
